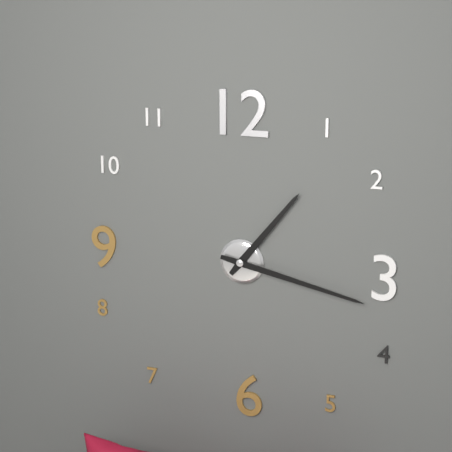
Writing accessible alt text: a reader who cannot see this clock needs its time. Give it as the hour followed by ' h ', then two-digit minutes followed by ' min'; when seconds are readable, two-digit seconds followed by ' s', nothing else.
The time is 1 h 17 min
